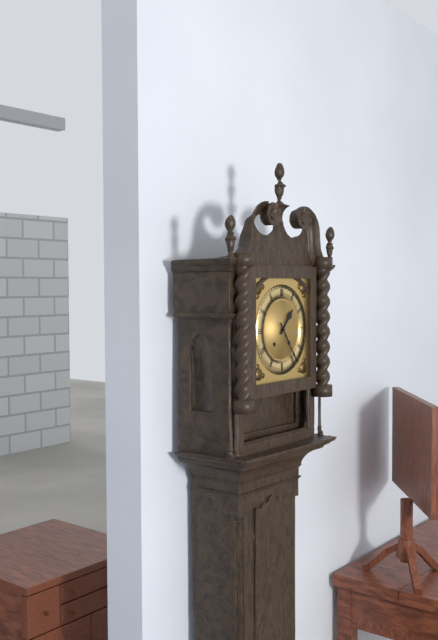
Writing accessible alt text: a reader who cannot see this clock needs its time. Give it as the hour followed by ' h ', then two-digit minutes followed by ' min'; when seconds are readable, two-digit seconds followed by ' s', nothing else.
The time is 1 h 24 min
